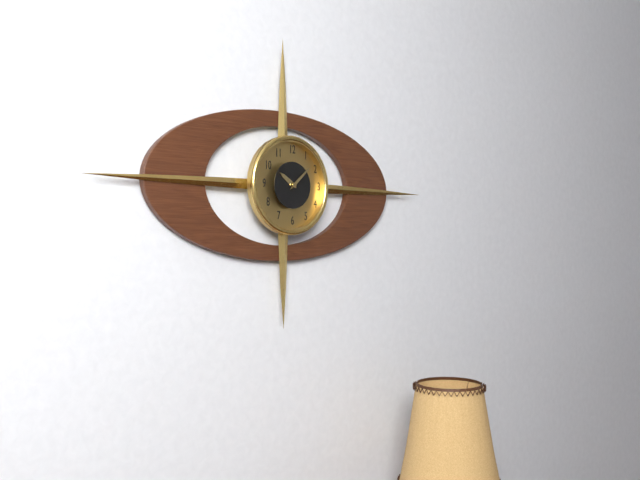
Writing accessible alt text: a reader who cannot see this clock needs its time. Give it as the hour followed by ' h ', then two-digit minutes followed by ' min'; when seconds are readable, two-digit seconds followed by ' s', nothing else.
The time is 10 h 08 min
